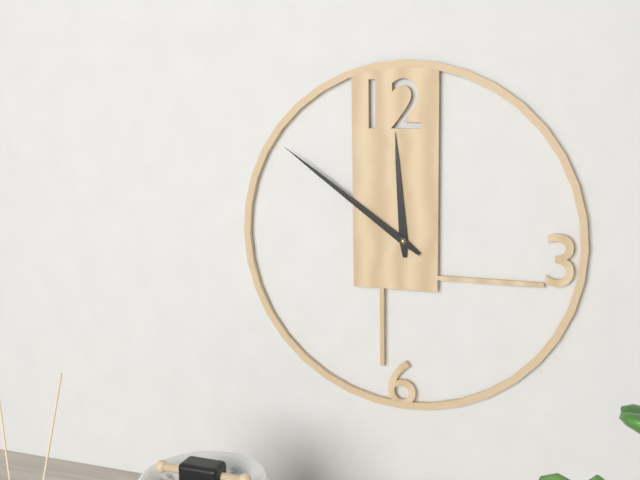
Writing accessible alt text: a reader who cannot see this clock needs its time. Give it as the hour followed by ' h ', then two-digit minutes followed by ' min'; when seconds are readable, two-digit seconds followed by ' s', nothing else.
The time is 11 h 51 min
